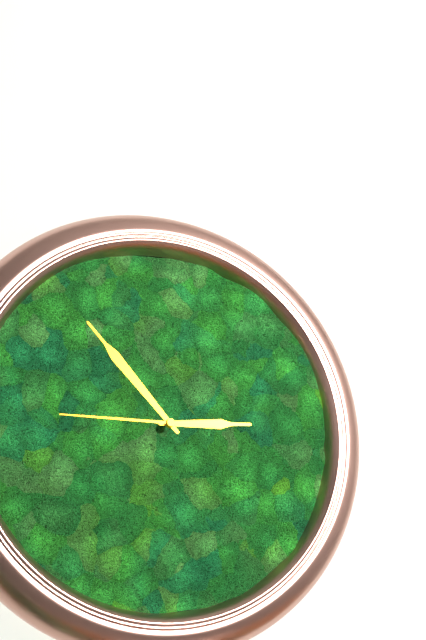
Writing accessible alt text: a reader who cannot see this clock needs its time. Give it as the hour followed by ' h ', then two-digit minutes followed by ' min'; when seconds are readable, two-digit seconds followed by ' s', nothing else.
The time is 2 h 53 min 45 s
